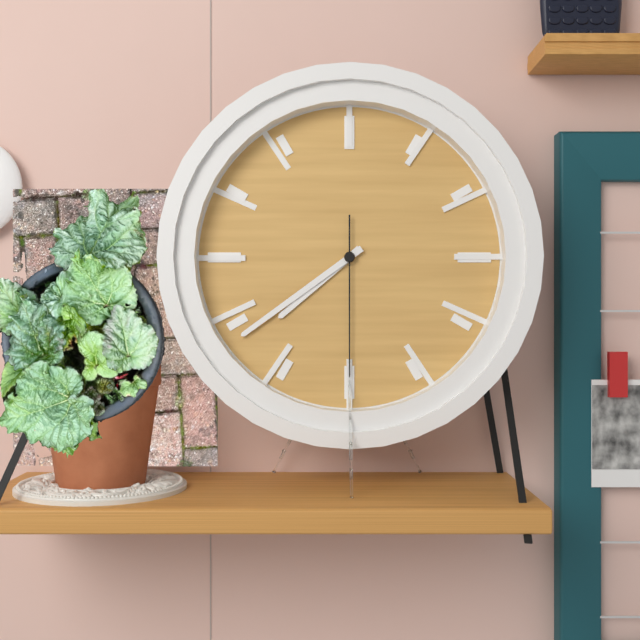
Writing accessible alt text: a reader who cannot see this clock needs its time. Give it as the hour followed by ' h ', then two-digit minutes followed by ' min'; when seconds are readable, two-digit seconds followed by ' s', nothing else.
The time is 7 h 39 min 30 s
